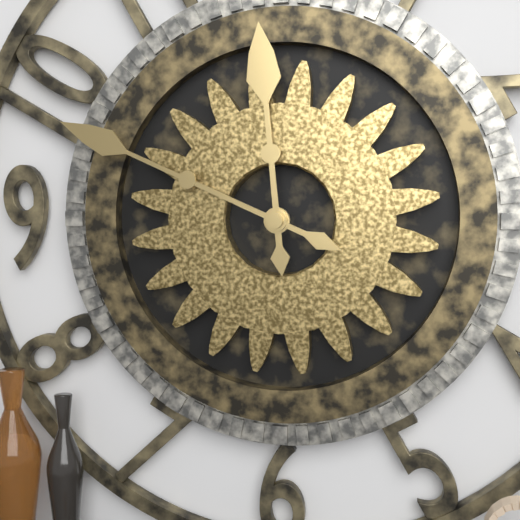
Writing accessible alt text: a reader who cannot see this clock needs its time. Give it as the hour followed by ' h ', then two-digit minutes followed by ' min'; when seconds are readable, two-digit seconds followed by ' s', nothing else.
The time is 11 h 49 min
